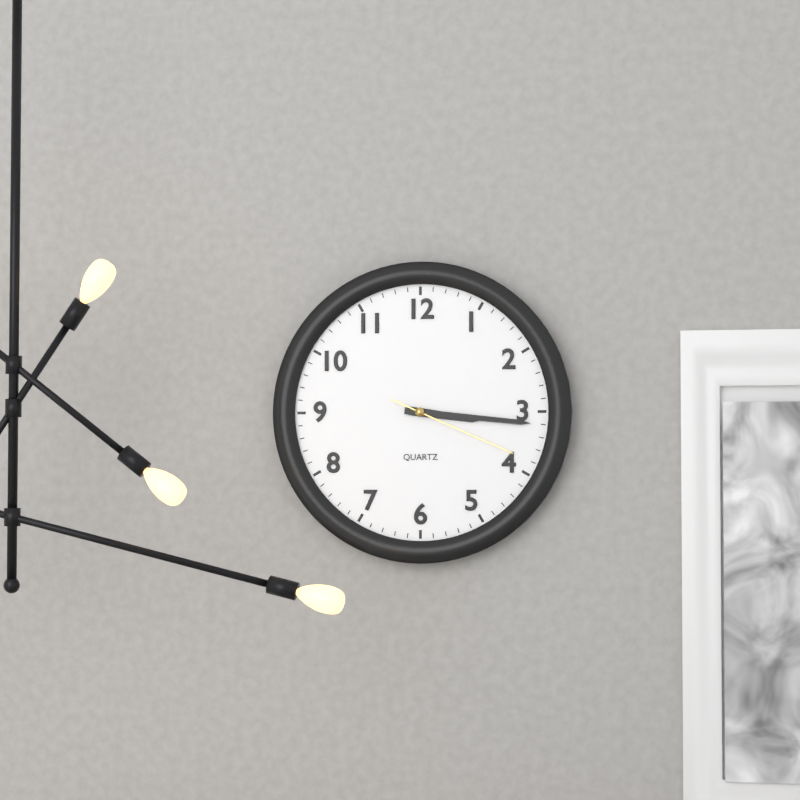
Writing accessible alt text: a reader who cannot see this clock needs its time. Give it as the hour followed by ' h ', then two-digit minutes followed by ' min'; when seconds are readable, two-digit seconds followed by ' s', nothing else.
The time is 3 h 16 min 19 s
